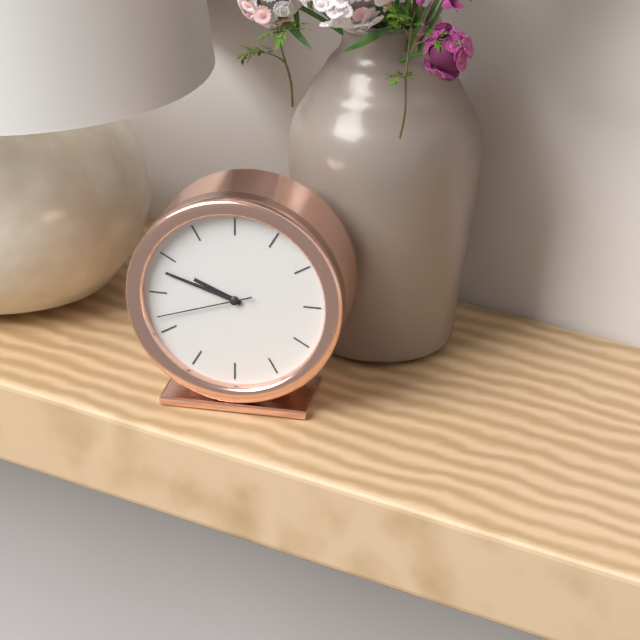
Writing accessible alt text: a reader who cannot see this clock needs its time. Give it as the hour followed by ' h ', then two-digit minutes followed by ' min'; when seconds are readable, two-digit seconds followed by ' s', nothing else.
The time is 9 h 48 min 42 s
